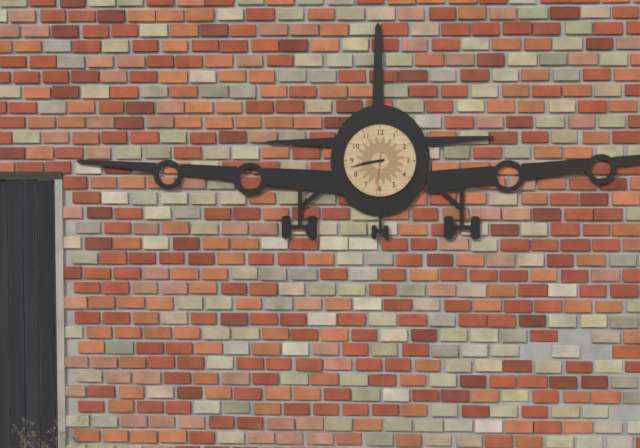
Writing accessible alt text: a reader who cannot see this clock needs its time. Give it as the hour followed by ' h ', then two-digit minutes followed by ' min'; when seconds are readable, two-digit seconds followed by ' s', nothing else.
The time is 8 h 43 min
